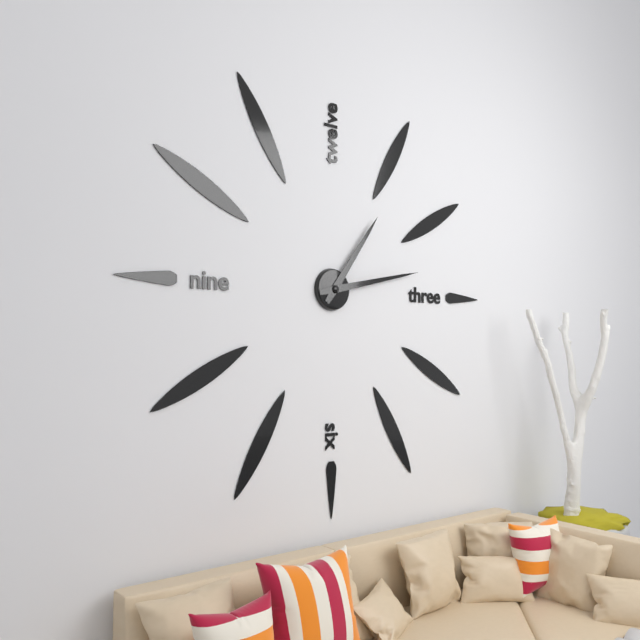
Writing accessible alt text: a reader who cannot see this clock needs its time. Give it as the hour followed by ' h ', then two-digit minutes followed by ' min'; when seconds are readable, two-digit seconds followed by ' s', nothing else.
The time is 1 h 13 min
